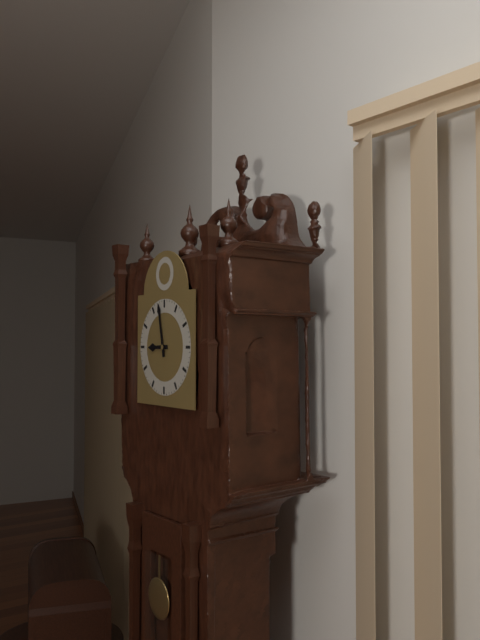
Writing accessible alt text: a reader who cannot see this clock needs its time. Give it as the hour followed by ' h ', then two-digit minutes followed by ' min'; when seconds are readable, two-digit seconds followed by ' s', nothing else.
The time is 8 h 58 min
